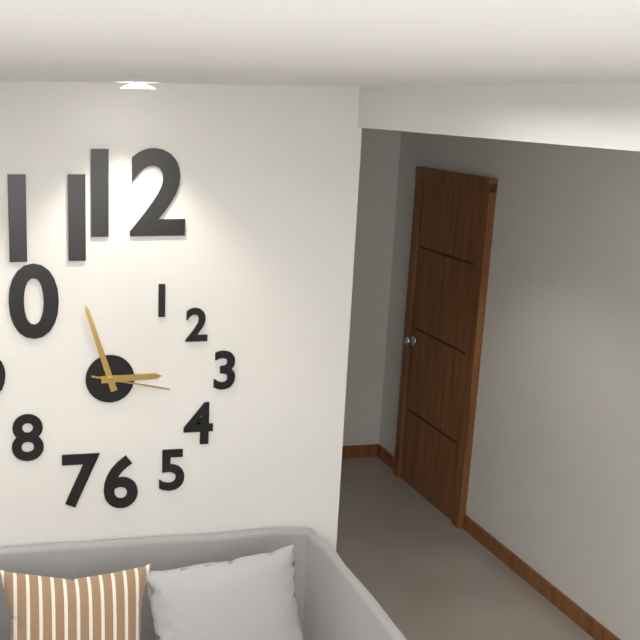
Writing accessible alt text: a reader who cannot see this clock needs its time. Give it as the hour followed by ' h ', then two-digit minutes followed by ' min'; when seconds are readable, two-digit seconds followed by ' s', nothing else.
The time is 2 h 57 min 17 s
